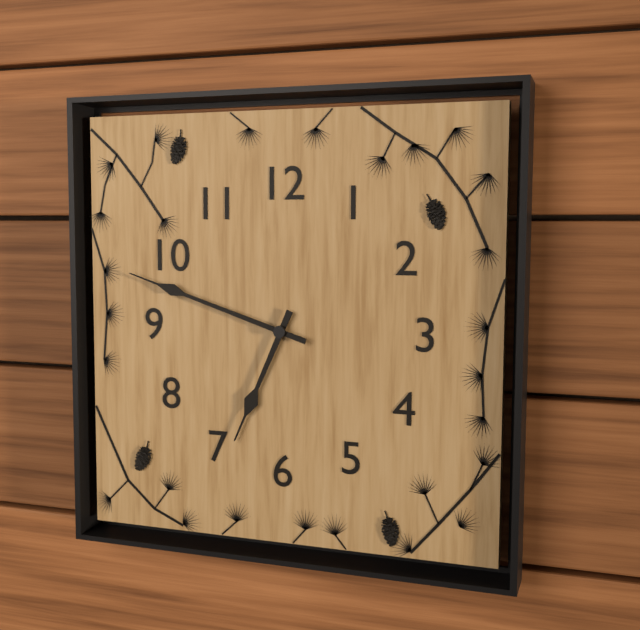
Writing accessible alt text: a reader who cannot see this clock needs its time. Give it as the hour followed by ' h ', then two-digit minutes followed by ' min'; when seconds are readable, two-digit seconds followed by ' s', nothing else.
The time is 6 h 48 min
